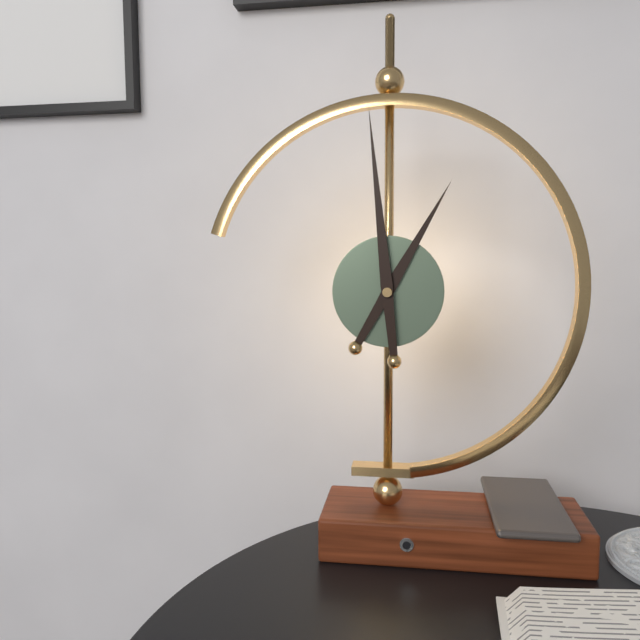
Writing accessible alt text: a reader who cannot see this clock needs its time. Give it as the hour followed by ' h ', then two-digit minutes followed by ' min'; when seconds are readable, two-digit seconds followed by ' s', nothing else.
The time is 12 h 59 min
